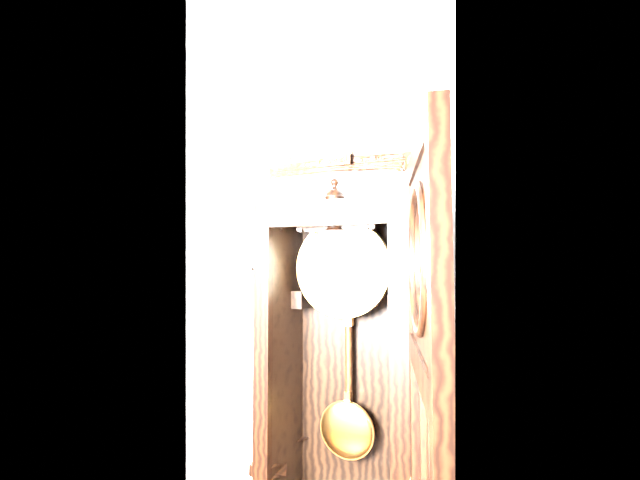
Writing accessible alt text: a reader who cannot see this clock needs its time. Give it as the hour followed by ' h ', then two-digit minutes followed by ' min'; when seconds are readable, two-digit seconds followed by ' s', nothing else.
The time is 10 h 25 min
